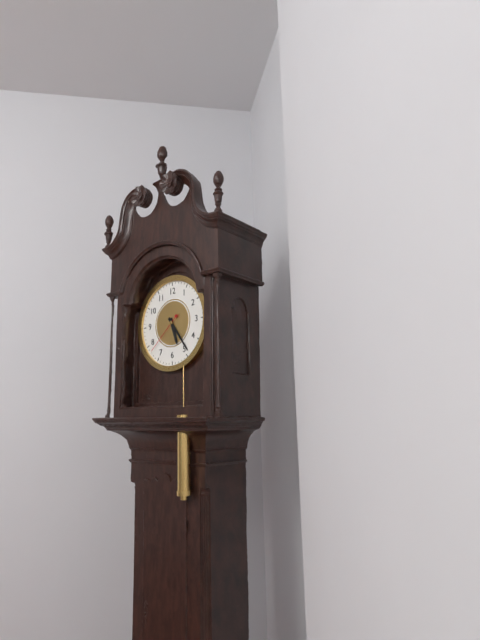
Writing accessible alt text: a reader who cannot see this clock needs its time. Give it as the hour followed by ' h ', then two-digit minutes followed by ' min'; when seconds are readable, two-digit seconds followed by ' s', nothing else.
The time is 5 h 24 min
